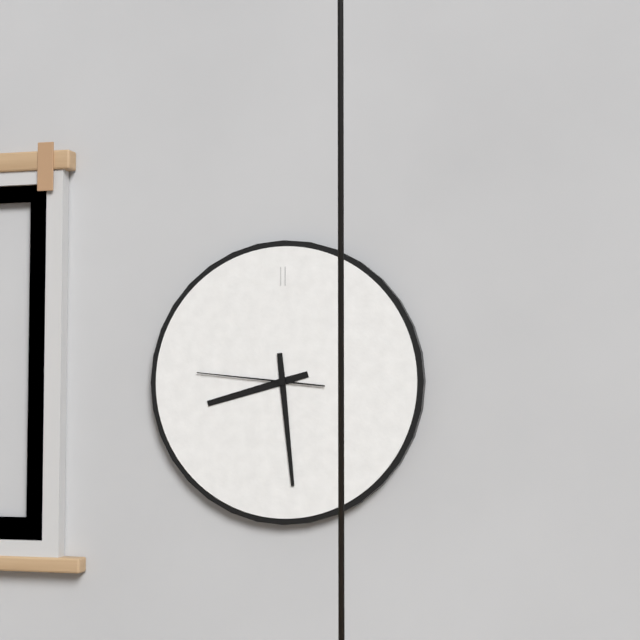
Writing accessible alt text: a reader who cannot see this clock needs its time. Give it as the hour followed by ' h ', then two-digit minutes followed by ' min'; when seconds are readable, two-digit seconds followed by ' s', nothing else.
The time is 8 h 29 min 46 s
